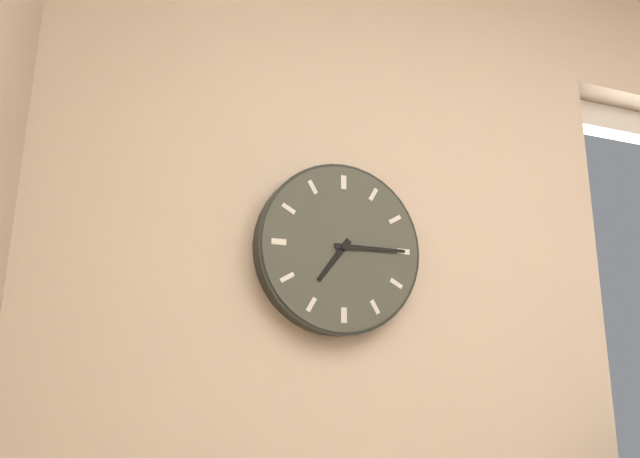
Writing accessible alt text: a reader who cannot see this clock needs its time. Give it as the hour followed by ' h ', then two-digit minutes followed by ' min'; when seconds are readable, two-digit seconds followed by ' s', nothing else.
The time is 7 h 15 min
